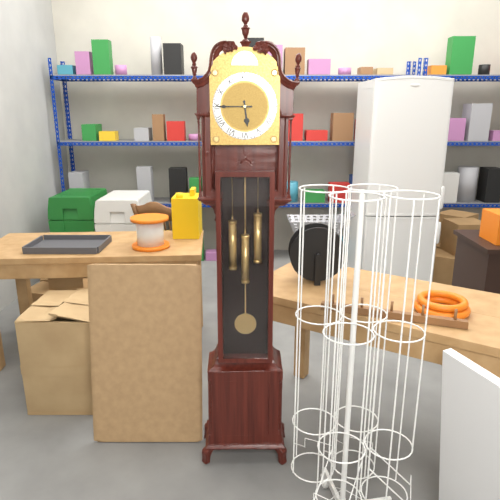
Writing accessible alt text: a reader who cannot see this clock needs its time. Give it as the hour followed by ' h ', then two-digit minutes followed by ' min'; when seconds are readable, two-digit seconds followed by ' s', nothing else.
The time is 5 h 45 min
